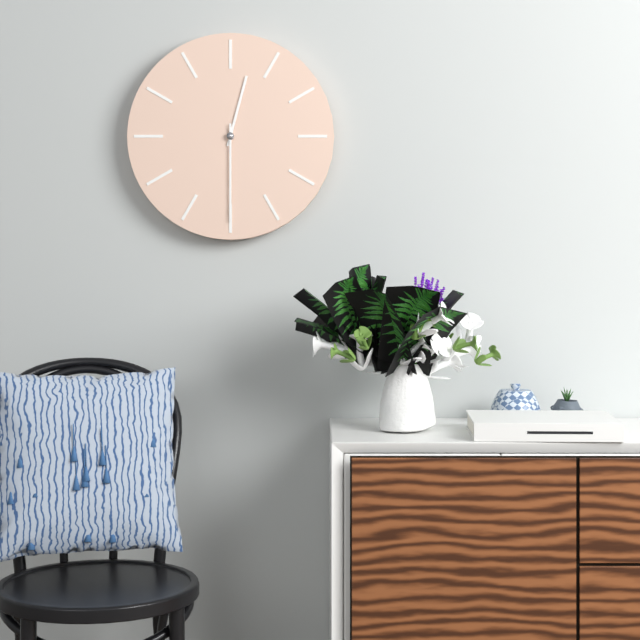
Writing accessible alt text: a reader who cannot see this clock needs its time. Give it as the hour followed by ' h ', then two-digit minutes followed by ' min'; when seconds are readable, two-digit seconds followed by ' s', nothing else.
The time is 12 h 30 min
